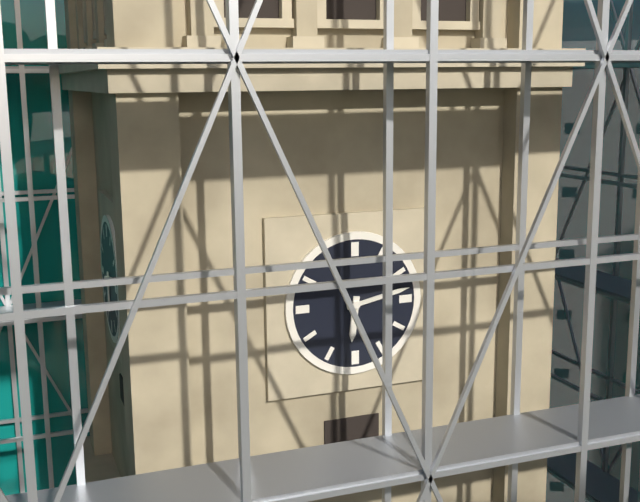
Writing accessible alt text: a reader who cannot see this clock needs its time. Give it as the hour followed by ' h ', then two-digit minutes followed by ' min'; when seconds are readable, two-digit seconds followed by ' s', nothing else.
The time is 6 h 13 min
